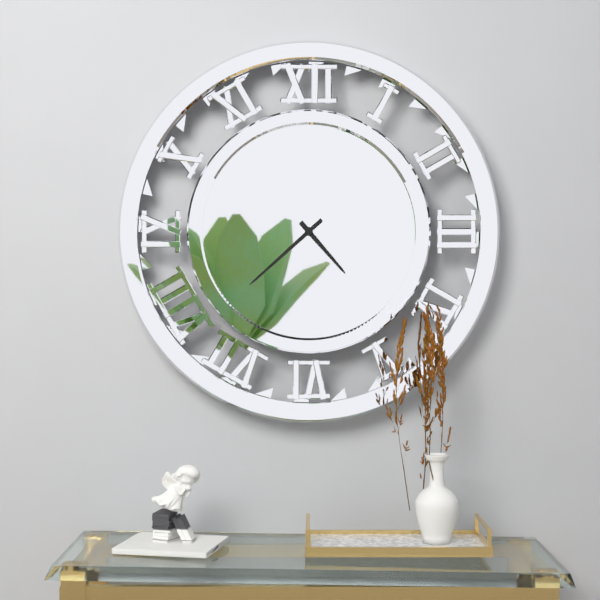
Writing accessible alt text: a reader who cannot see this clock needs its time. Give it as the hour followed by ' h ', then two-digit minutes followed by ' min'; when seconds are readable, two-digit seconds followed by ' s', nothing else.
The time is 4 h 38 min
